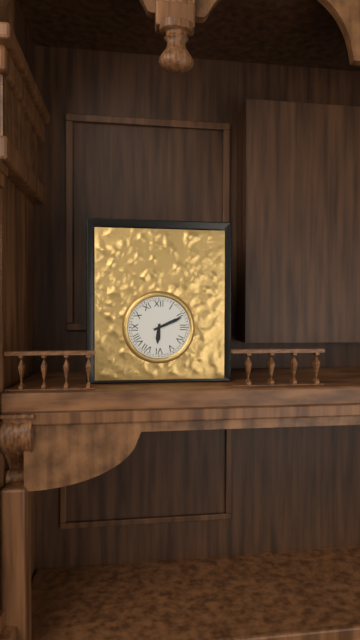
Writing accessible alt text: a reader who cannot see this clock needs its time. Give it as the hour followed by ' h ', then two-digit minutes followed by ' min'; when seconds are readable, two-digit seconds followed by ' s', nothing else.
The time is 6 h 11 min
